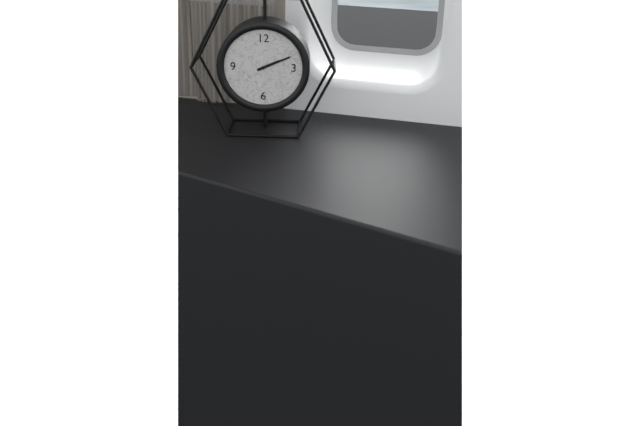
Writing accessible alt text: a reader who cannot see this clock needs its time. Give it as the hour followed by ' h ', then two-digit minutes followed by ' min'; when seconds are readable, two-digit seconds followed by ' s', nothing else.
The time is 2 h 11 min
